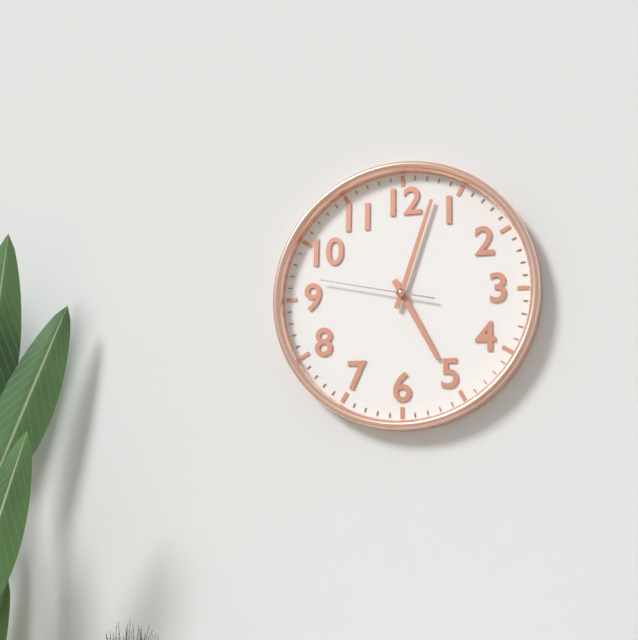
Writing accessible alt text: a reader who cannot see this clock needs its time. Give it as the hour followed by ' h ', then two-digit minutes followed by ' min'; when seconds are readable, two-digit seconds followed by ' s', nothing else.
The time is 5 h 03 min 47 s
